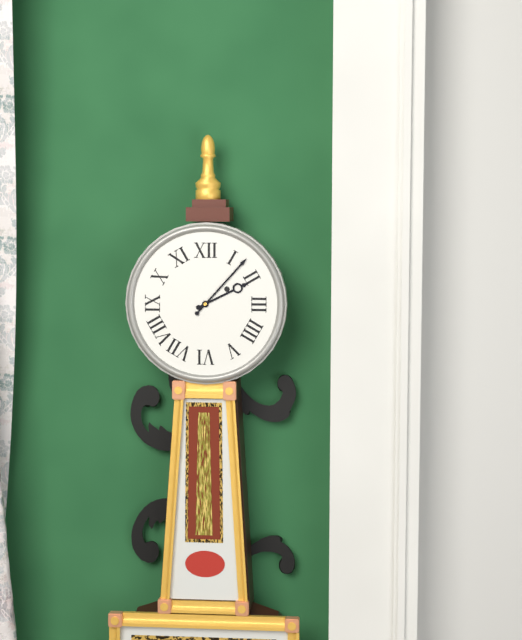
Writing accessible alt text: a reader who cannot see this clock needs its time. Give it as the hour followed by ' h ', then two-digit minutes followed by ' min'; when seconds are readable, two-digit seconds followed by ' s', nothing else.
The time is 2 h 07 min
